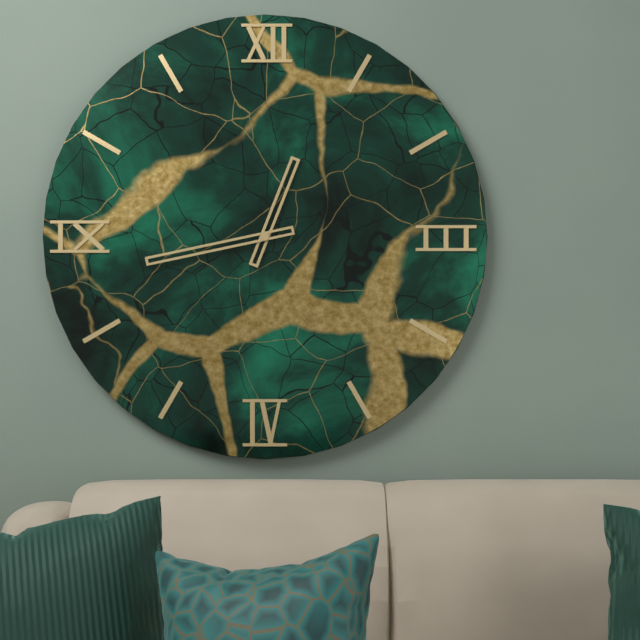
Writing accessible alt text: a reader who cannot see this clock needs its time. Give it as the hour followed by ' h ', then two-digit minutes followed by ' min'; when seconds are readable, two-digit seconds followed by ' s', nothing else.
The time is 12 h 43 min
